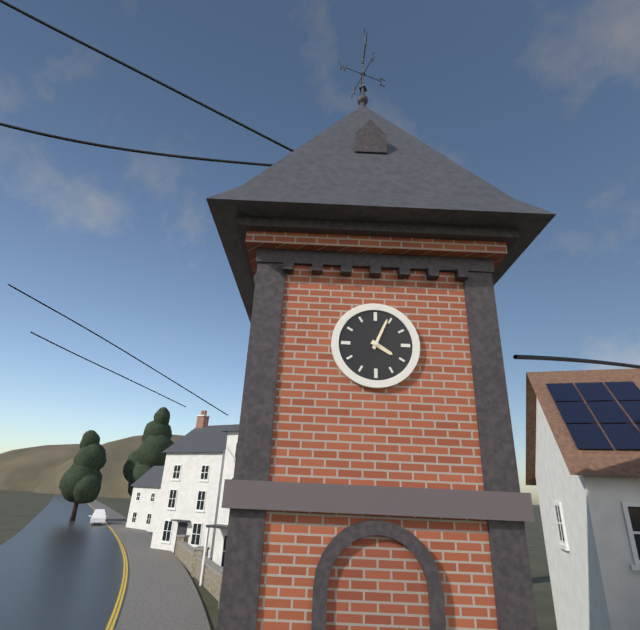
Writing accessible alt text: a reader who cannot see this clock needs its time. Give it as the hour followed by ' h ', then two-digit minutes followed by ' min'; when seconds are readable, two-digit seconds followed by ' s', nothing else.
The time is 4 h 04 min
